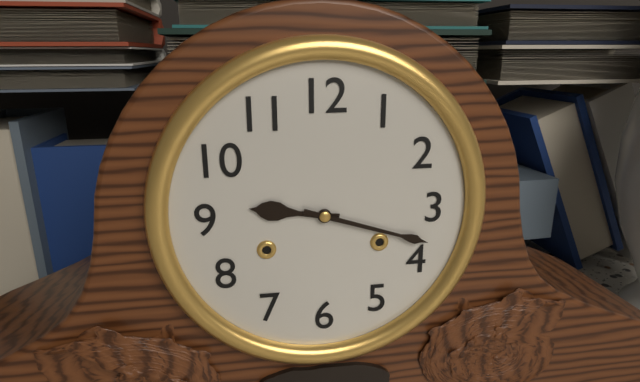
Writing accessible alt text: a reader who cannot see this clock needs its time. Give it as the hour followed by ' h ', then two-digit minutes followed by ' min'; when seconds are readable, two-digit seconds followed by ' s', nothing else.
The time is 9 h 18 min
